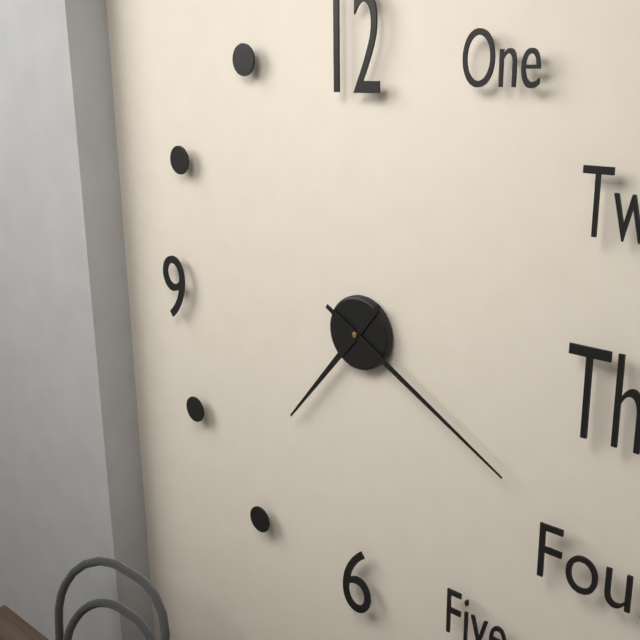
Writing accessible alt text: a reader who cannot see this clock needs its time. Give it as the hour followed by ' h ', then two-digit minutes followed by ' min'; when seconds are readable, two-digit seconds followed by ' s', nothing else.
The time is 7 h 20 min
